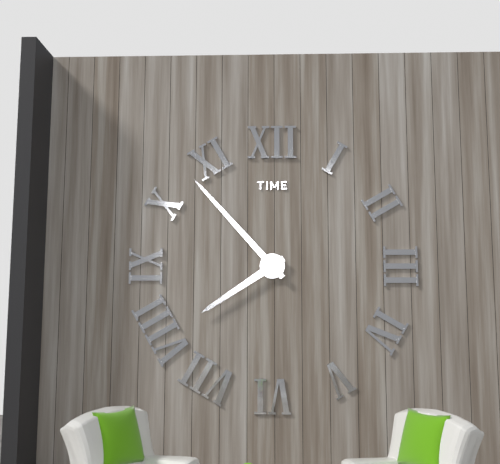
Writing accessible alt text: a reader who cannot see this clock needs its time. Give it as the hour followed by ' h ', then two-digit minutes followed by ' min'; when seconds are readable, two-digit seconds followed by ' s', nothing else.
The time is 7 h 53 min
